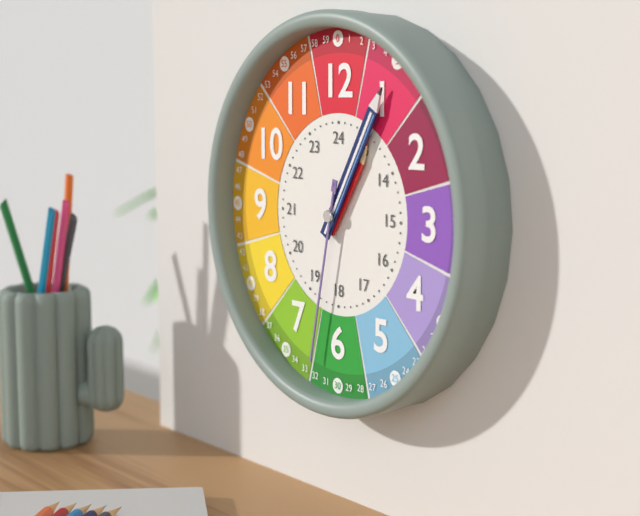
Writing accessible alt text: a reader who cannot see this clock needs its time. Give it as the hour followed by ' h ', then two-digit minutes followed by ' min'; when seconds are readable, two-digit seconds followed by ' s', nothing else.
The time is 1 h 05 min 32 s
